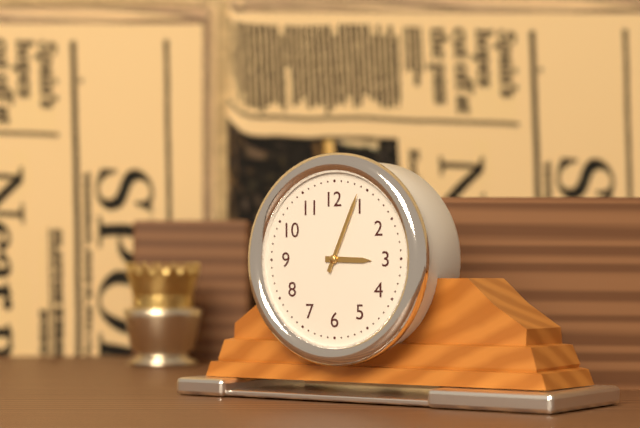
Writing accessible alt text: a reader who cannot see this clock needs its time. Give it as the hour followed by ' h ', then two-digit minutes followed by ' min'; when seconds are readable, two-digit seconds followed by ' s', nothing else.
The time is 3 h 04 min
